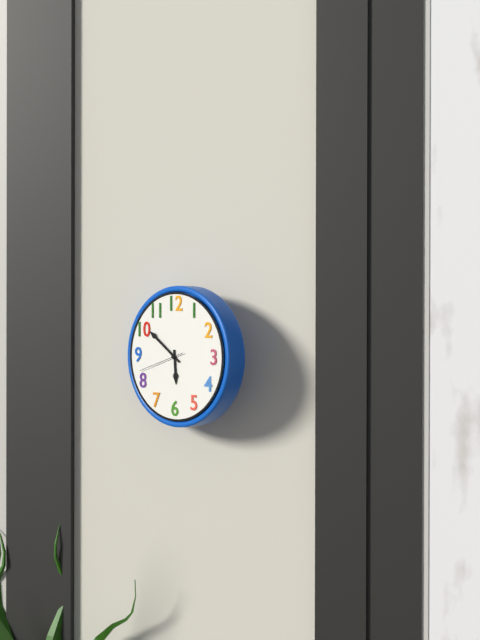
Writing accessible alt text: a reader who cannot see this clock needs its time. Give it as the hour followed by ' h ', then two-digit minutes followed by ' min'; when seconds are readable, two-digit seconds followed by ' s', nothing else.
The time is 5 h 51 min
